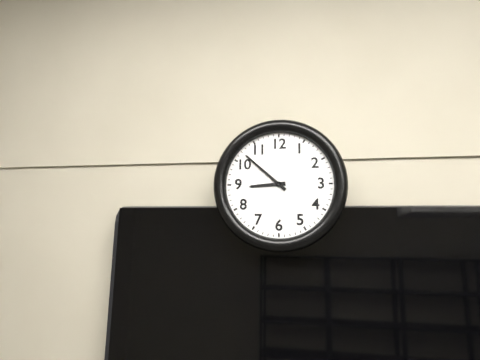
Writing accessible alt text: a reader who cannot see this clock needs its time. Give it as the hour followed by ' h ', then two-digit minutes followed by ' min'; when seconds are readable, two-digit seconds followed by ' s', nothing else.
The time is 8 h 52 min
